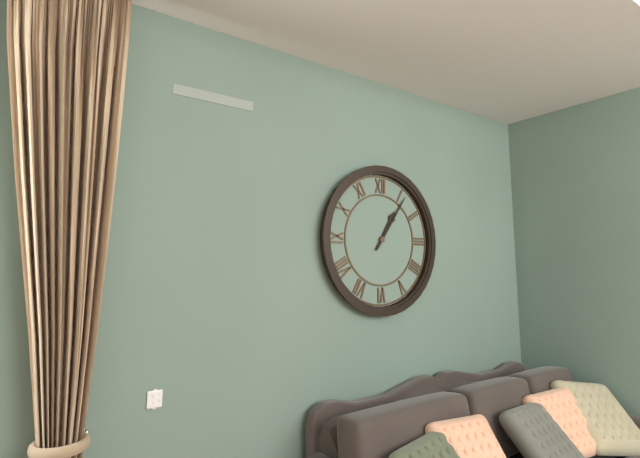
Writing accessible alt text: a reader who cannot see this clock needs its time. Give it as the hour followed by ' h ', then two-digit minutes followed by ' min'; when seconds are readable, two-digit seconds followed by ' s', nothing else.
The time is 1 h 06 min
